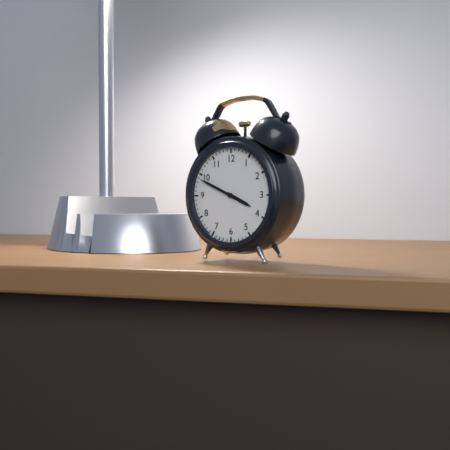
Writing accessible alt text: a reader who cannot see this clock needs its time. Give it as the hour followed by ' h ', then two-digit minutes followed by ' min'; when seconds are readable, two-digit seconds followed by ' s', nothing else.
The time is 3 h 49 min
